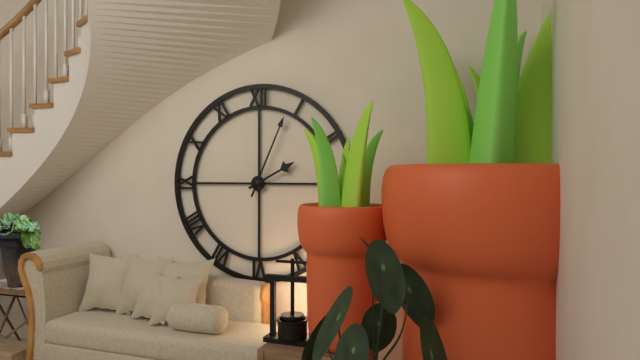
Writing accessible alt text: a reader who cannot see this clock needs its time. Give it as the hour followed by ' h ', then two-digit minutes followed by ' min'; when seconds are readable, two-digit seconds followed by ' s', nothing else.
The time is 2 h 04 min
